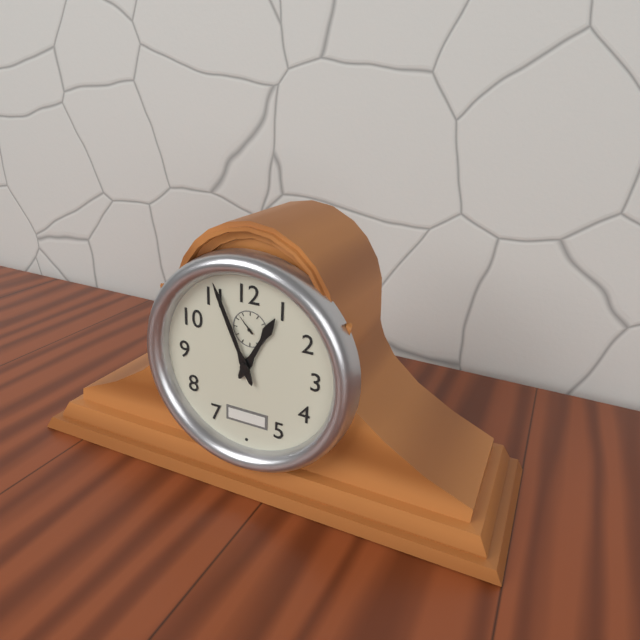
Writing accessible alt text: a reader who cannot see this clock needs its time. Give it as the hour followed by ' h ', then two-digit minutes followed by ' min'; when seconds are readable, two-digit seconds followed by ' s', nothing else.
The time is 12 h 56 min
